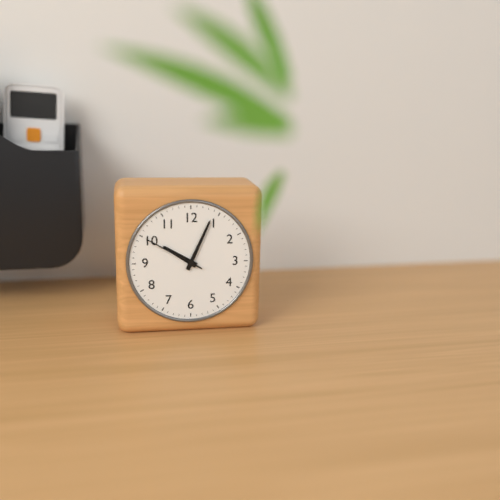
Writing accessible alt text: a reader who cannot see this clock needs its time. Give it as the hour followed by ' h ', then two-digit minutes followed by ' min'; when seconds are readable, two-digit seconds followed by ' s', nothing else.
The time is 10 h 04 min 50 s
